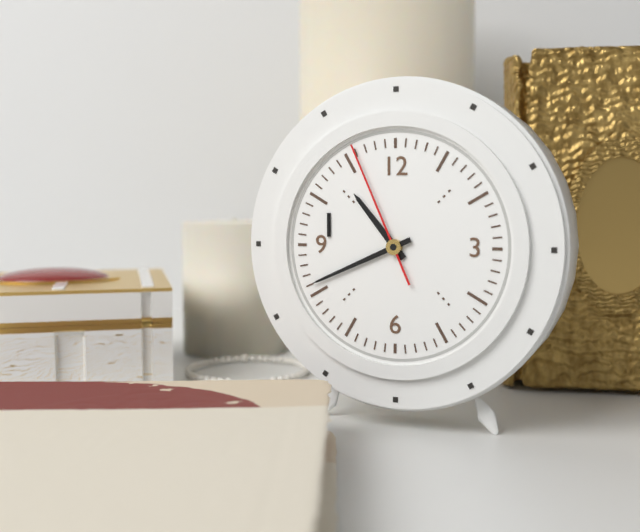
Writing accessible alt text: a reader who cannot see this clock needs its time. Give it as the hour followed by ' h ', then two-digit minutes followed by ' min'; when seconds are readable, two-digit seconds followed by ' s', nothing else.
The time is 10 h 41 min 56 s
